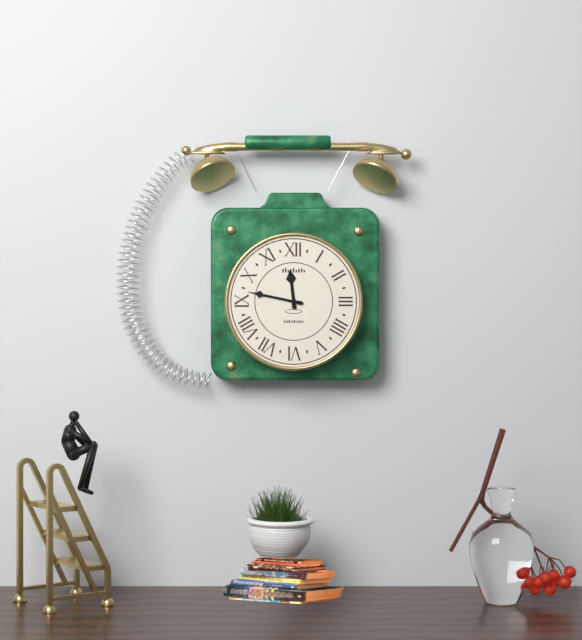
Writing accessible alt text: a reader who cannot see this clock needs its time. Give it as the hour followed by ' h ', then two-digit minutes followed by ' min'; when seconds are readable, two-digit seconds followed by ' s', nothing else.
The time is 11 h 47 min
